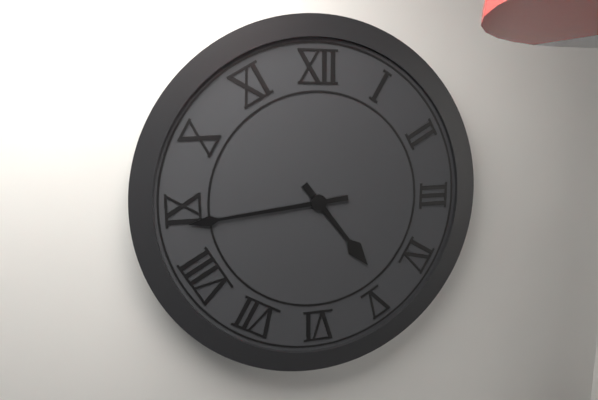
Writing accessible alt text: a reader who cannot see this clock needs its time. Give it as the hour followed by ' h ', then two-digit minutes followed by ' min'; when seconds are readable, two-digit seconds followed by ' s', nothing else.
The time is 4 h 44 min
